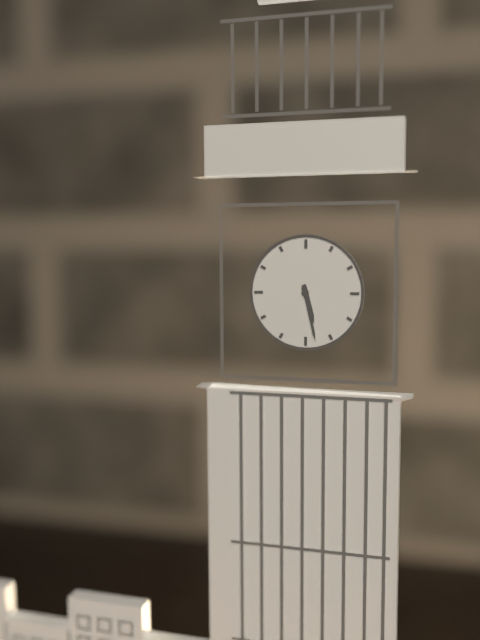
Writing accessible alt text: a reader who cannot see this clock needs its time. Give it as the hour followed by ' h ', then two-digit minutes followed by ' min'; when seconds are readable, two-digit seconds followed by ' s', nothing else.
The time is 5 h 28 min
